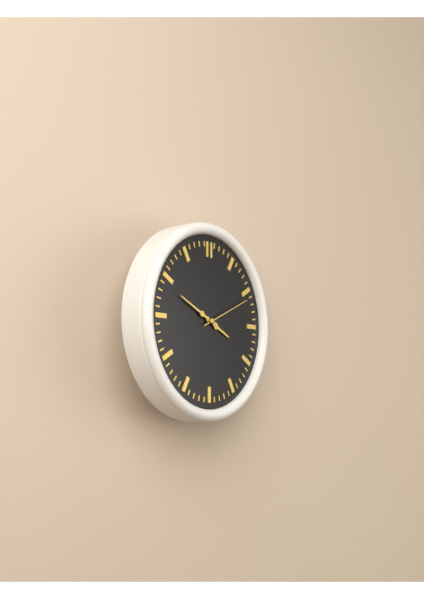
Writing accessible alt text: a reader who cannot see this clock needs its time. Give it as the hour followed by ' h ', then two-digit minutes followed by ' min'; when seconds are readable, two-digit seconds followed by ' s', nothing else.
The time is 3 h 49 min 11 s
